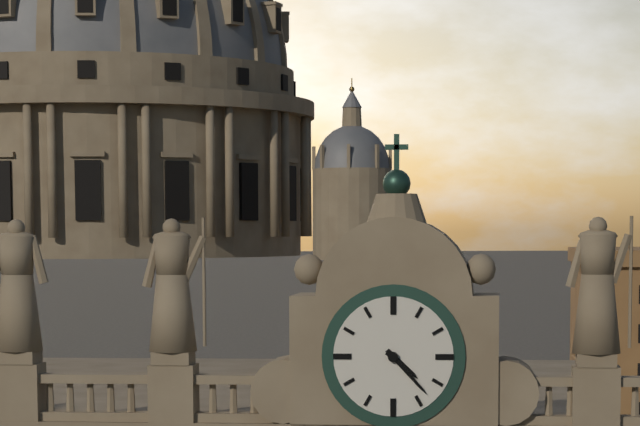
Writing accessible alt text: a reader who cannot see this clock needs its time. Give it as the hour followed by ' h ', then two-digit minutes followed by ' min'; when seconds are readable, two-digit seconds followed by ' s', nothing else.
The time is 4 h 23 min
